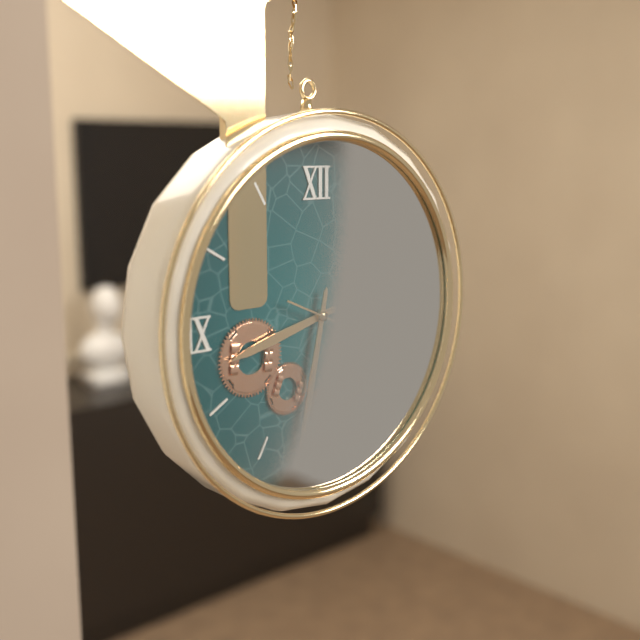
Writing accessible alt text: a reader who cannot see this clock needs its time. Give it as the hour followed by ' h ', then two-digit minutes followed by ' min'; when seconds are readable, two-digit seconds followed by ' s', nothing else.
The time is 8 h 32 min 19 s
